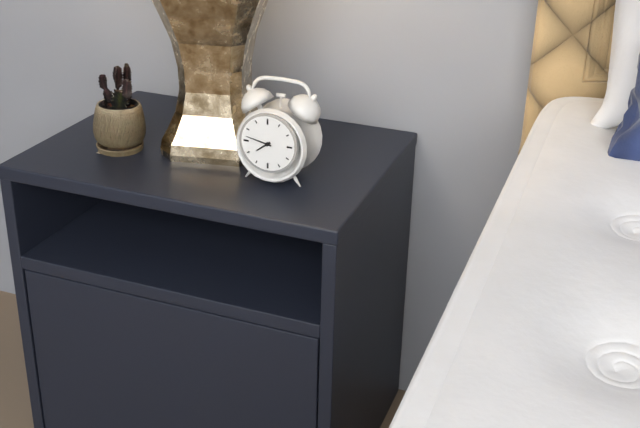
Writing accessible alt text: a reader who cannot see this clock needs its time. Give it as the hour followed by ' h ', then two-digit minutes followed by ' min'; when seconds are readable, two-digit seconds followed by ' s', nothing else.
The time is 7 h 47 min
